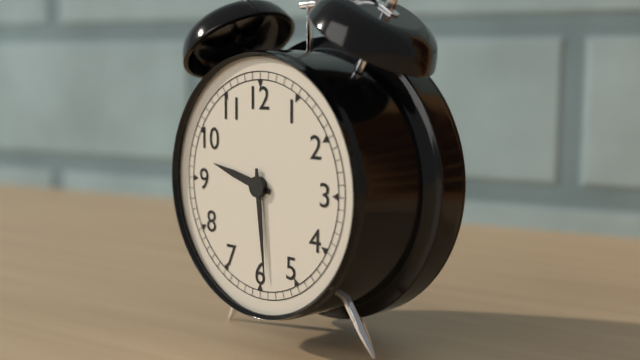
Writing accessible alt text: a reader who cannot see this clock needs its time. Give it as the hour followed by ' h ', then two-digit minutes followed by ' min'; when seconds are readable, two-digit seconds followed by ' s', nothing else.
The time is 9 h 29 min
